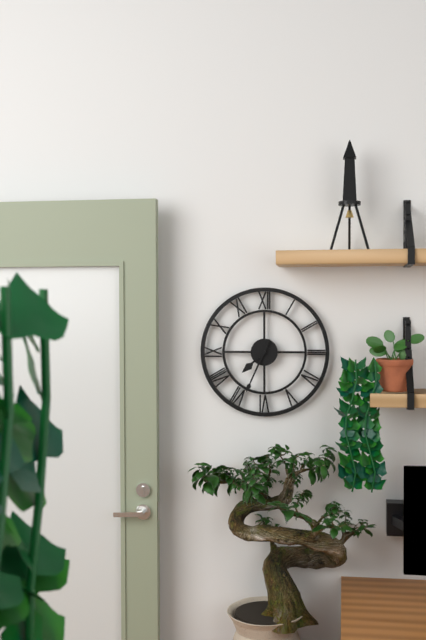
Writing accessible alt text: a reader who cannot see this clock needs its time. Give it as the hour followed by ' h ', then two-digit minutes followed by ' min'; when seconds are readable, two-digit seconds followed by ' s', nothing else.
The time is 7 h 34 min
